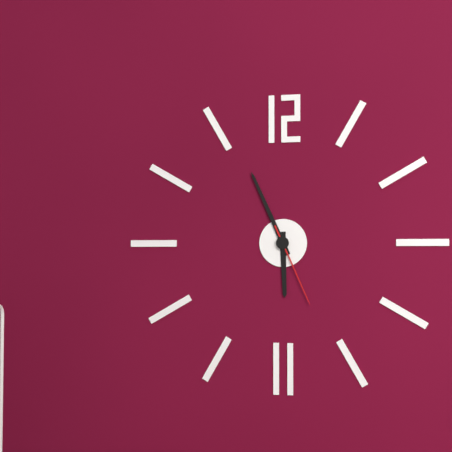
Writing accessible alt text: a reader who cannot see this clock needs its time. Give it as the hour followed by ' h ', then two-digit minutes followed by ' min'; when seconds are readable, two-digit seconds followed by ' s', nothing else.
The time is 5 h 56 min 26 s
